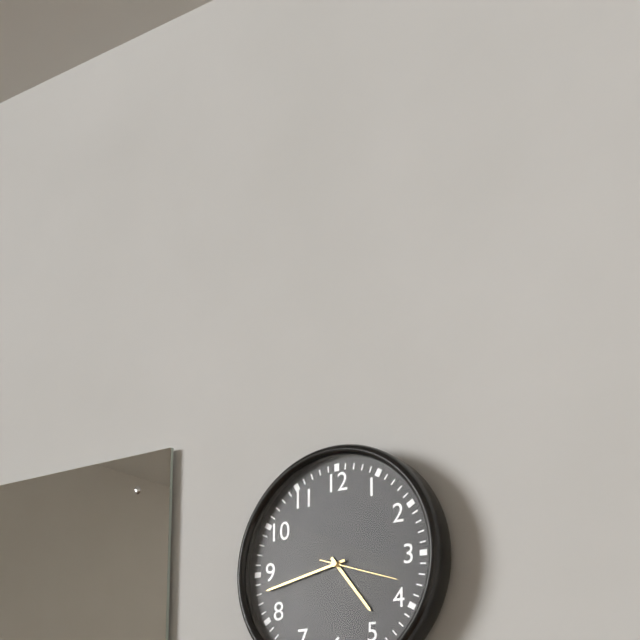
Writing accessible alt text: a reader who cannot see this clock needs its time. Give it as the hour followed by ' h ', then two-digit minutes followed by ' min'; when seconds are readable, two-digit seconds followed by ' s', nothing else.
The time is 4 h 43 min 18 s
